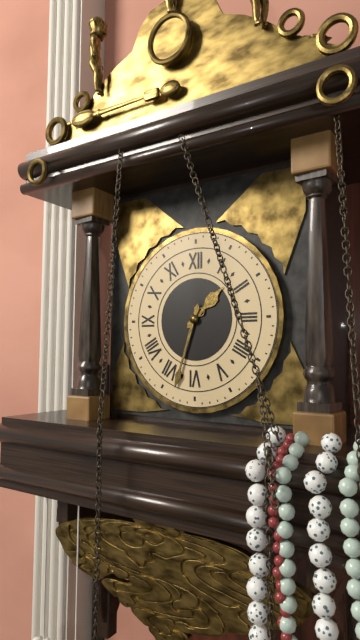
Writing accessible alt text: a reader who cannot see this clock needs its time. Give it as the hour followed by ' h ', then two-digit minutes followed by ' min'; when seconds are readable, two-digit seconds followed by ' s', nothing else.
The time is 1 h 33 min
